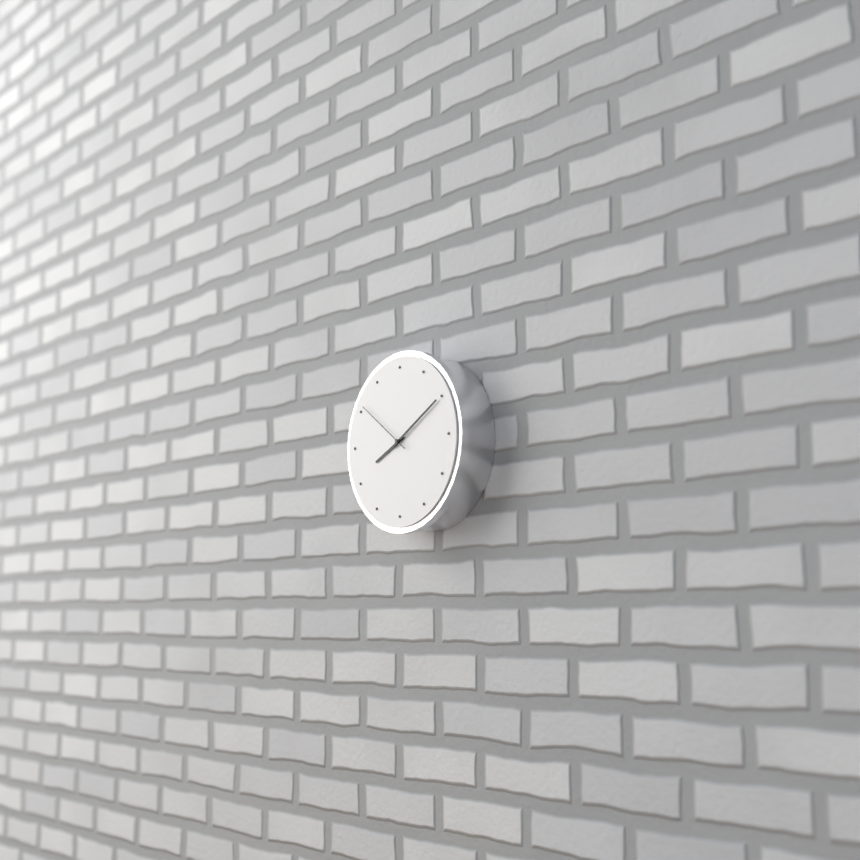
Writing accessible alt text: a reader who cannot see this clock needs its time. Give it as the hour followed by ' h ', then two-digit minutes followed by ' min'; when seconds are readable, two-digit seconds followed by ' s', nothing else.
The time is 8 h 10 min 51 s
